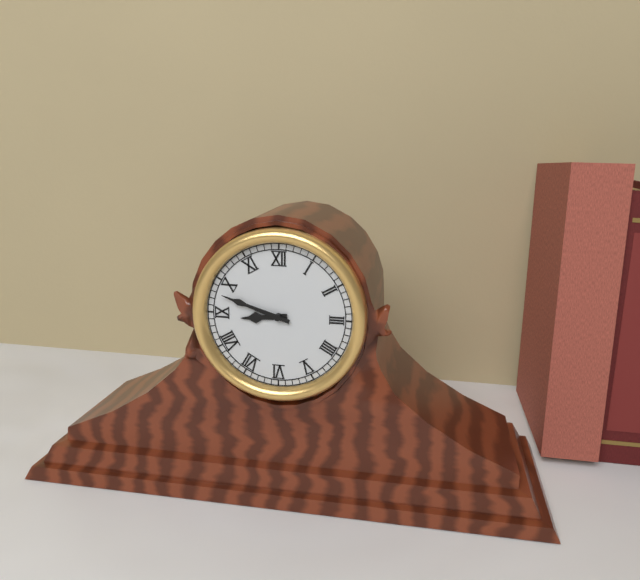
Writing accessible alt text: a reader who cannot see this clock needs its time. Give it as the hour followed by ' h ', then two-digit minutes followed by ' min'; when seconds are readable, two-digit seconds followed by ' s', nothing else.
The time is 8 h 48 min
